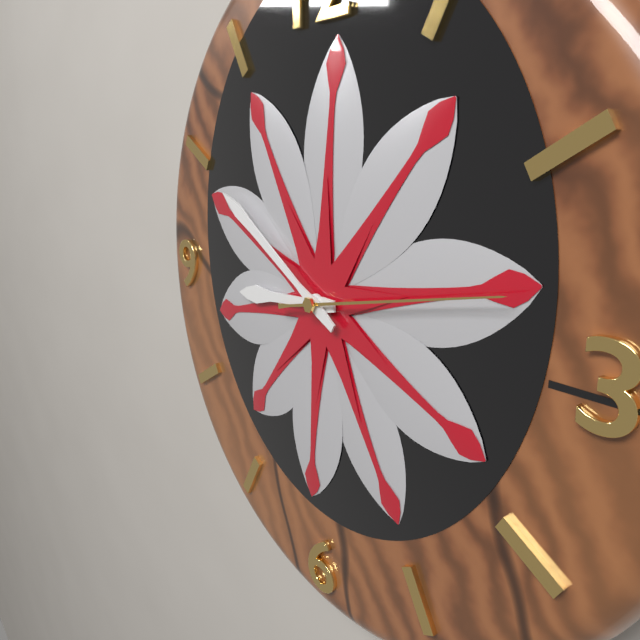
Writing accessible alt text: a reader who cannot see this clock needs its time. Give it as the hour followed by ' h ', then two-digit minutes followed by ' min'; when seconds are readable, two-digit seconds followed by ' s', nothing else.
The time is 8 h 50 min 13 s
